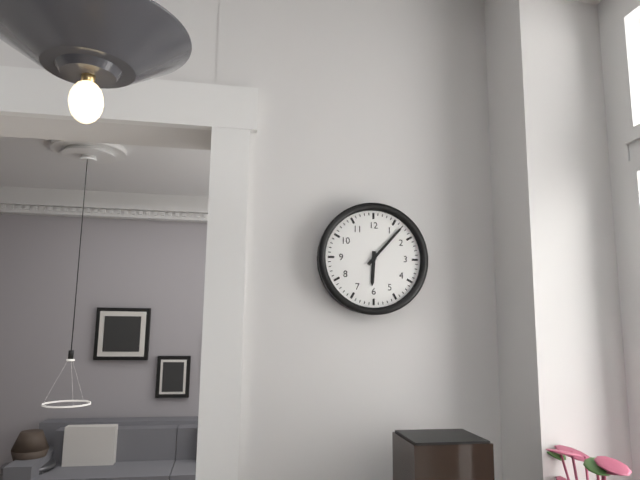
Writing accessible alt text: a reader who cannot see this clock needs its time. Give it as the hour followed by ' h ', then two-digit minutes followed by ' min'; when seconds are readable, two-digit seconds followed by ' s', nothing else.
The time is 6 h 07 min
